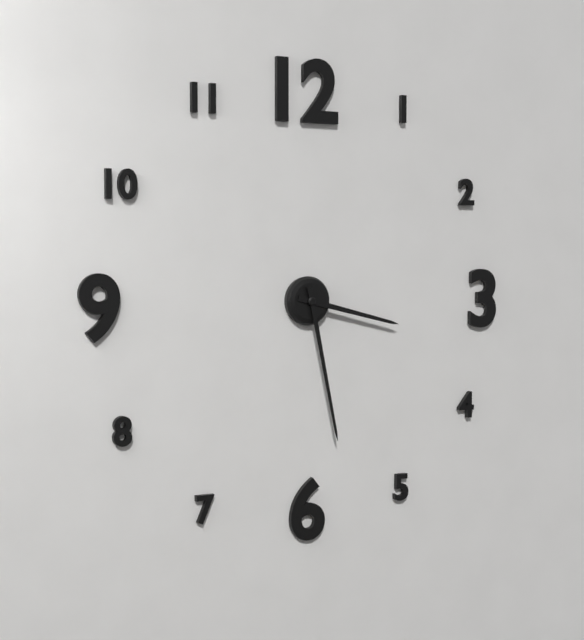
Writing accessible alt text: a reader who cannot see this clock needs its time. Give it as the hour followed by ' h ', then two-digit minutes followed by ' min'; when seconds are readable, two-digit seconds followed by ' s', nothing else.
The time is 3 h 28 min
